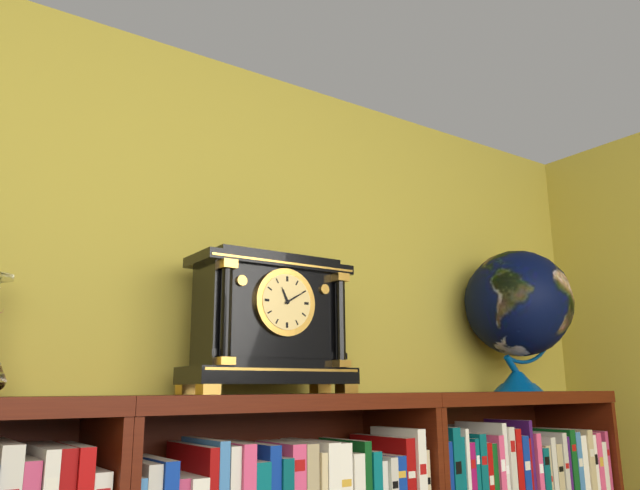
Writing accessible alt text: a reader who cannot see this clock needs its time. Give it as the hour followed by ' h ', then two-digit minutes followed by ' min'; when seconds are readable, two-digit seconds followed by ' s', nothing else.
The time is 11 h 10 min
